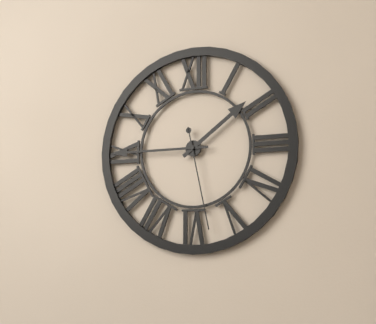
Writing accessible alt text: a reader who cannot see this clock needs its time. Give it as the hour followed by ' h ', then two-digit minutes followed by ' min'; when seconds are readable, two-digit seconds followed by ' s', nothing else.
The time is 1 h 45 min 28 s
